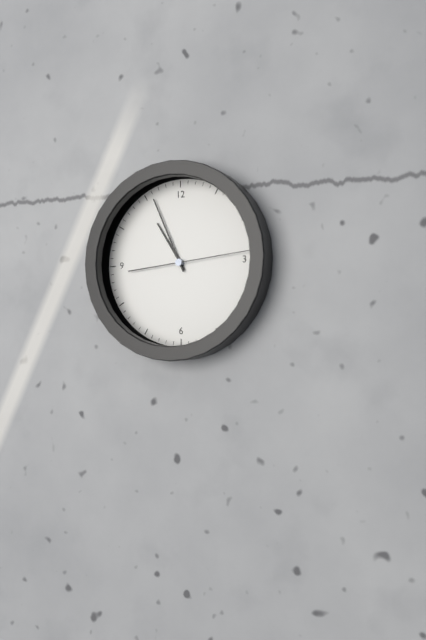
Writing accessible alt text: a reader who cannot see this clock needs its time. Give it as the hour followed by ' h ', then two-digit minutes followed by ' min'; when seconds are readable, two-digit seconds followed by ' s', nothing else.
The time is 10 h 56 min 14 s
